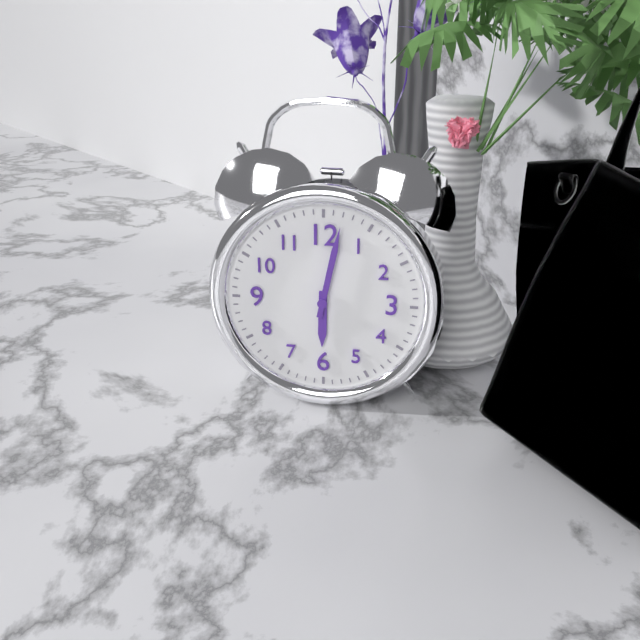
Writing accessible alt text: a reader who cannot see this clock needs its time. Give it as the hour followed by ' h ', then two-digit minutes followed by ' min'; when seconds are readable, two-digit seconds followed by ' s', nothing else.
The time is 6 h 02 min
